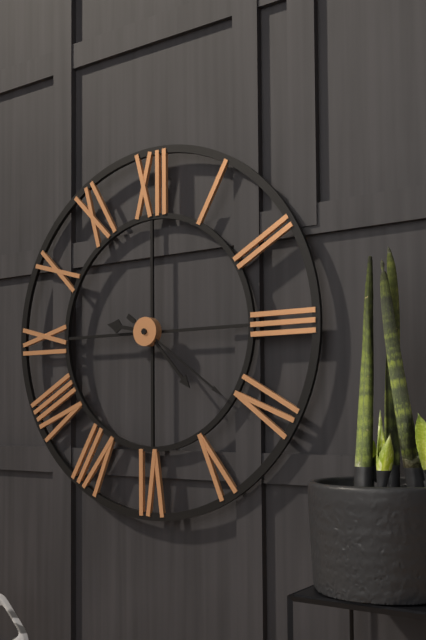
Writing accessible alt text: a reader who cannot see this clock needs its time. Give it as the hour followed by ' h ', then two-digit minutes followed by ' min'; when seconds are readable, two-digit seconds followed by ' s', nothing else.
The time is 9 h 23 min 21 s
